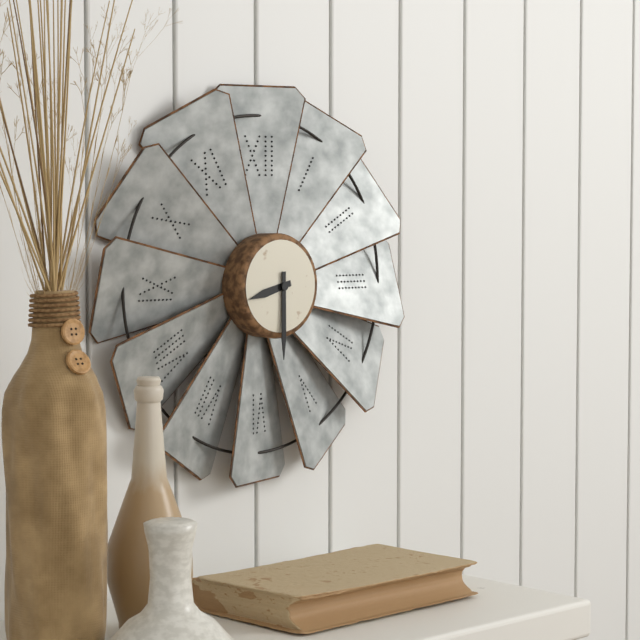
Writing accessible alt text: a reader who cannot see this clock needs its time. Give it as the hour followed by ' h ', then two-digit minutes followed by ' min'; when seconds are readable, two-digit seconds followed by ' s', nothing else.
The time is 8 h 30 min
